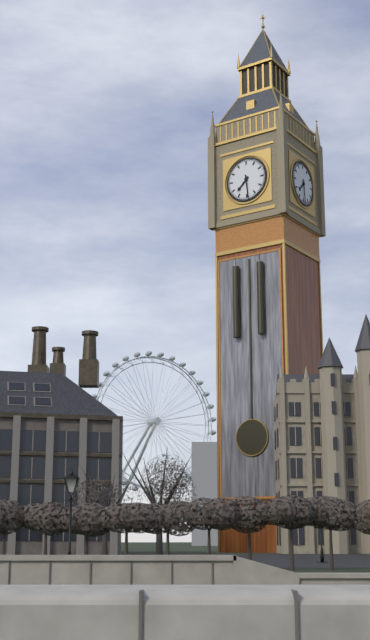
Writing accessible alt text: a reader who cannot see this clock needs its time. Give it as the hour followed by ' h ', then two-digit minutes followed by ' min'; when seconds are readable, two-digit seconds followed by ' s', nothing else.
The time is 7 h 29 min
